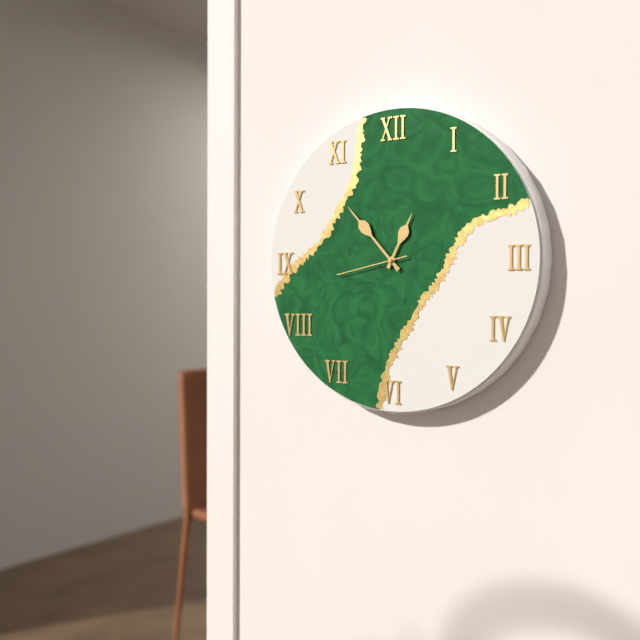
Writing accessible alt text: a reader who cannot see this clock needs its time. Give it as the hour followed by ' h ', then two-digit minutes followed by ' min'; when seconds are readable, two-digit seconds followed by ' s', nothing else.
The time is 12 h 53 min 43 s
